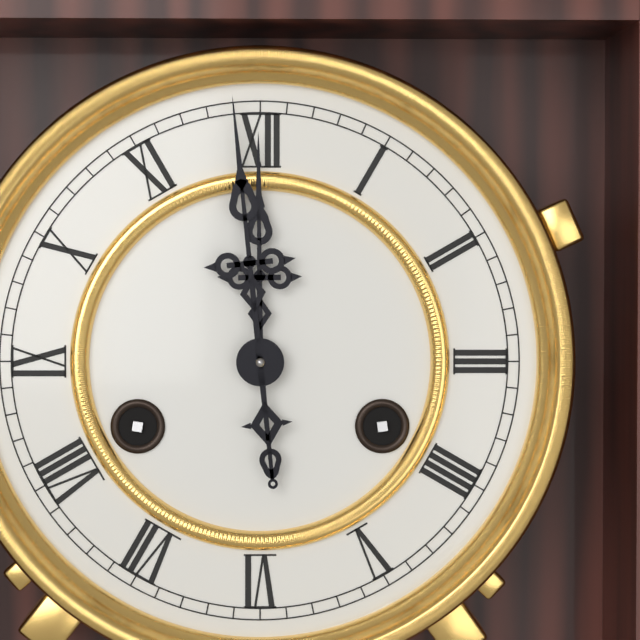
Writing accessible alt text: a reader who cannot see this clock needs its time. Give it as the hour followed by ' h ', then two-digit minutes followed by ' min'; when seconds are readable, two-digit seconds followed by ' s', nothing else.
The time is 11 h 59 min
